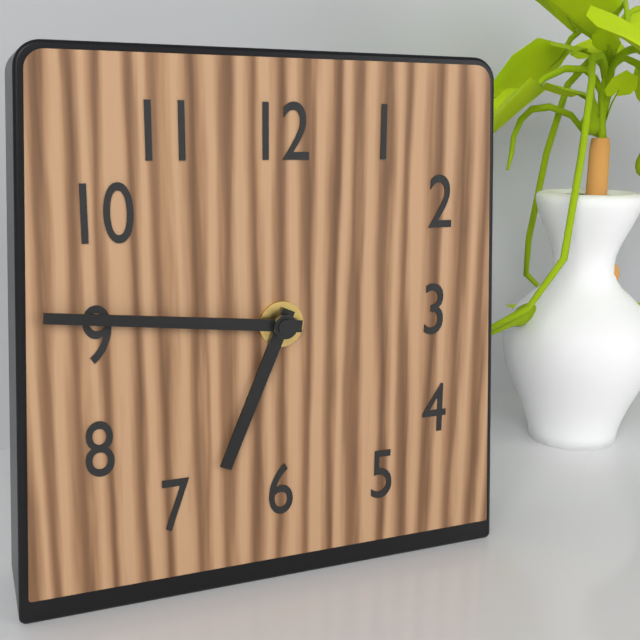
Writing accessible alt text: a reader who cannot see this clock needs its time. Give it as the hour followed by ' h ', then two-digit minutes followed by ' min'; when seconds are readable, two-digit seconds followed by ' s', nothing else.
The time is 6 h 46 min
